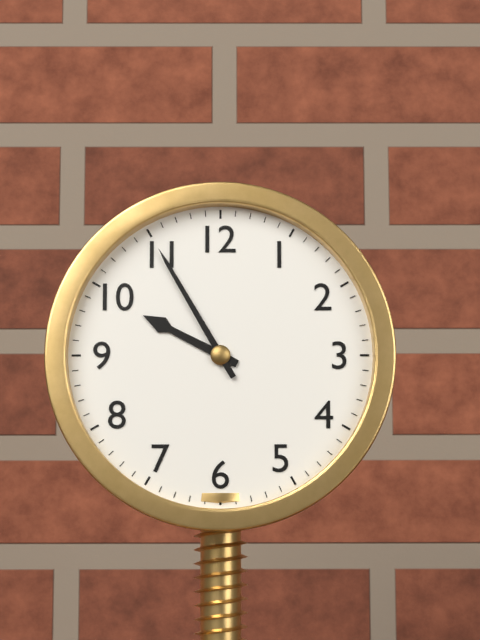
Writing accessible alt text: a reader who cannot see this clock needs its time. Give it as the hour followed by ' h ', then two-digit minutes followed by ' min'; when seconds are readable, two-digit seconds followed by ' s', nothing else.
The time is 9 h 55 min
